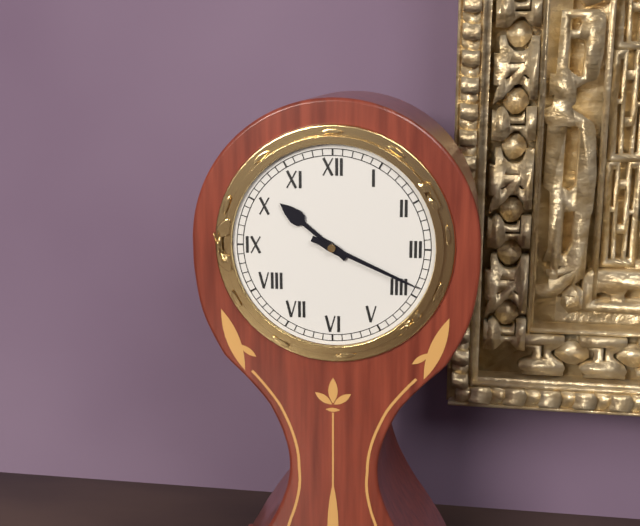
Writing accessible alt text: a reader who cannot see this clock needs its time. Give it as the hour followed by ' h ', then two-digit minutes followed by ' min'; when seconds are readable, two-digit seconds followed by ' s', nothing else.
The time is 10 h 19 min
